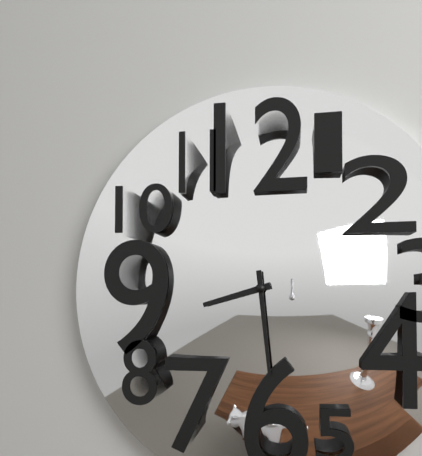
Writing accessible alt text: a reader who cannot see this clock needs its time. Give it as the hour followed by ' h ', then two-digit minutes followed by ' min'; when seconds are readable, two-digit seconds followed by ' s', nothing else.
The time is 8 h 29 min
